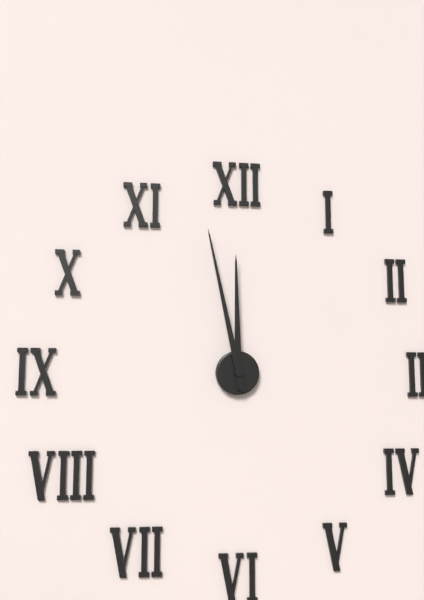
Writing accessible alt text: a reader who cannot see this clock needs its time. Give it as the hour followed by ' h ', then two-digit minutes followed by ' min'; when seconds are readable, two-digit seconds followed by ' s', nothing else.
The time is 11 h 58 min
